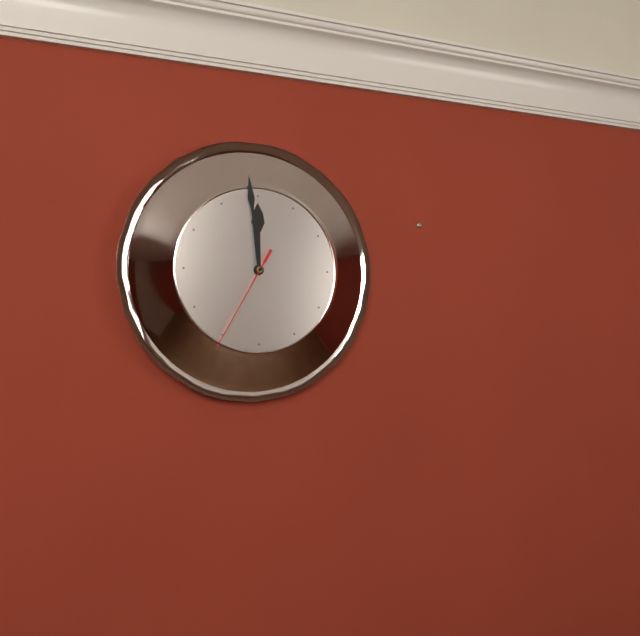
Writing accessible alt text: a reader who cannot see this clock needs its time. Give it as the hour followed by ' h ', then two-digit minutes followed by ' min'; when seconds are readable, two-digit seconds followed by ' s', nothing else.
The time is 11 h 59 min 35 s
